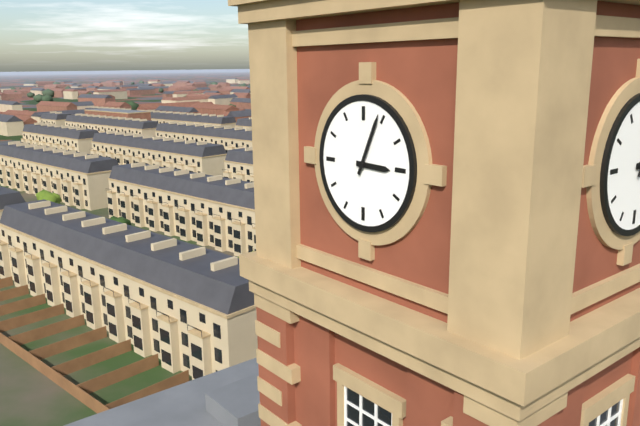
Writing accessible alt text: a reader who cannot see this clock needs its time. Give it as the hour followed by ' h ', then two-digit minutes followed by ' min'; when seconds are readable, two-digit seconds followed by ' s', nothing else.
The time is 3 h 04 min
